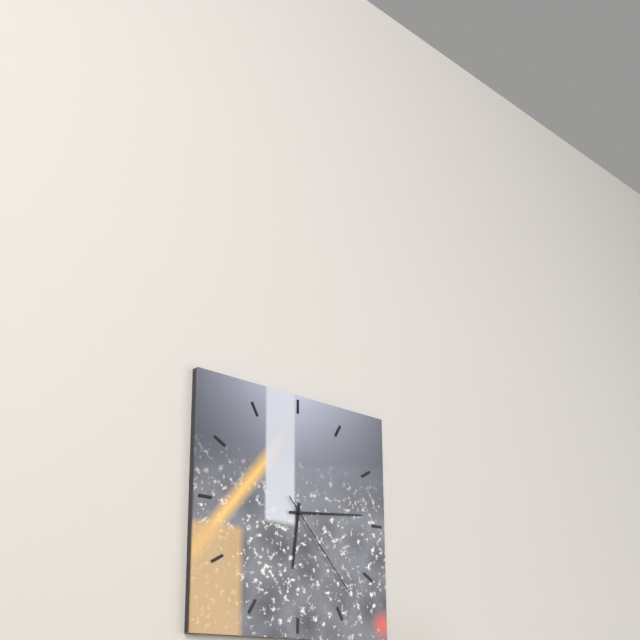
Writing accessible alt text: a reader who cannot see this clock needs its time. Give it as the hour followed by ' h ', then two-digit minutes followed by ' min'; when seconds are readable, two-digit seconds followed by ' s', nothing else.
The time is 6 h 14 min 23 s
